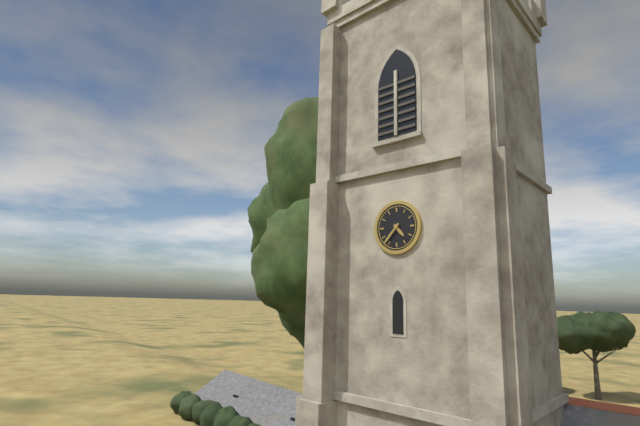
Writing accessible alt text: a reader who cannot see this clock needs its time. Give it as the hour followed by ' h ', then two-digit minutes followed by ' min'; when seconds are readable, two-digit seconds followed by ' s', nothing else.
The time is 4 h 37 min
